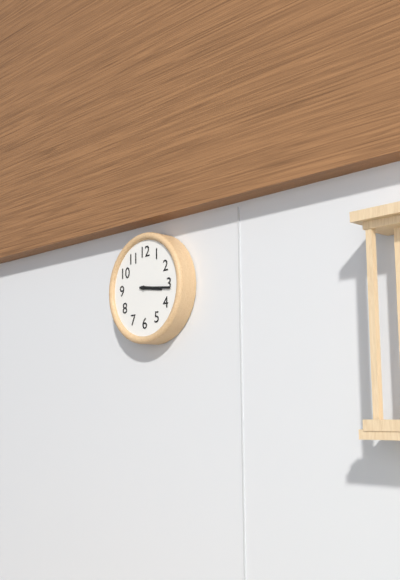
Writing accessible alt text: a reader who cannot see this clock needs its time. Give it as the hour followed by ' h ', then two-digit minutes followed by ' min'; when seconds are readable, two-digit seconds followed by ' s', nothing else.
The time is 3 h 16 min
